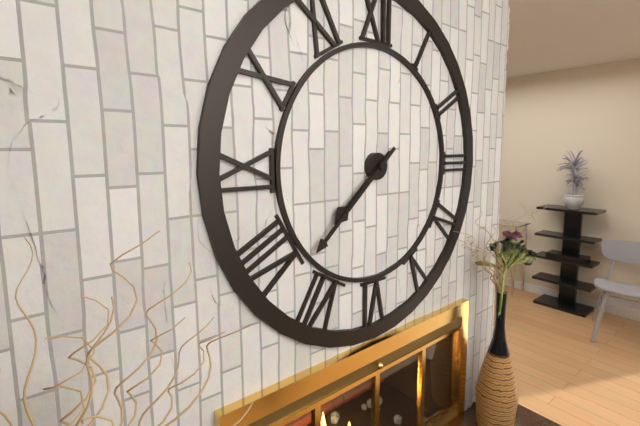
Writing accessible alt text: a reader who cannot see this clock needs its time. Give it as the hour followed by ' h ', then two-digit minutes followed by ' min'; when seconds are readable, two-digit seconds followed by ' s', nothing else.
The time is 7 h 38 min
